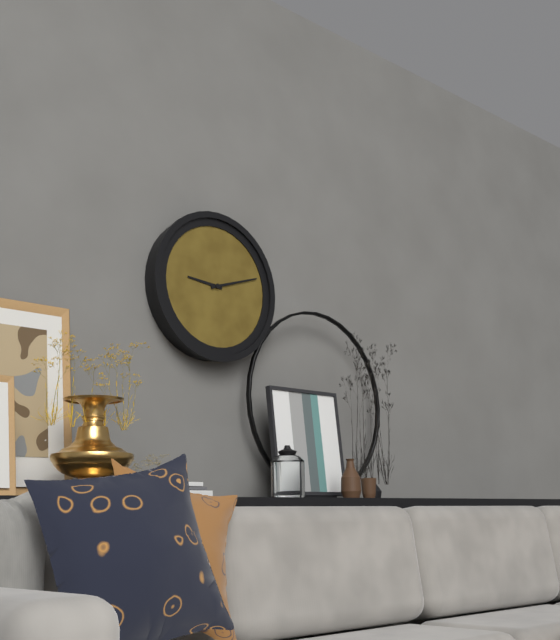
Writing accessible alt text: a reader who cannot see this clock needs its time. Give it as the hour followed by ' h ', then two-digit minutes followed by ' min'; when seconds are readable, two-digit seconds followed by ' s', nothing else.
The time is 9 h 12 min
